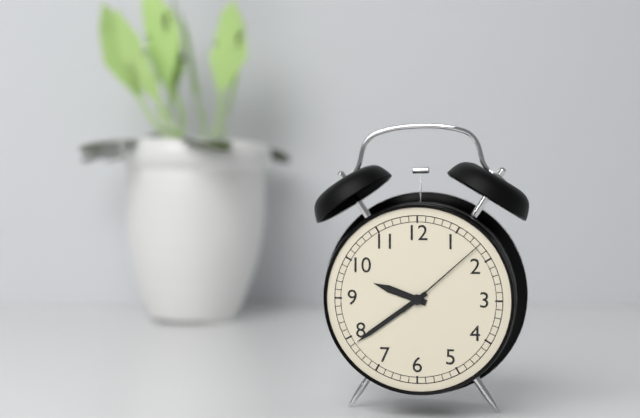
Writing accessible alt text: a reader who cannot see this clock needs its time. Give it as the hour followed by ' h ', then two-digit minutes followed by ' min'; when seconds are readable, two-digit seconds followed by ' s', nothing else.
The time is 9 h 39 min 08 s
